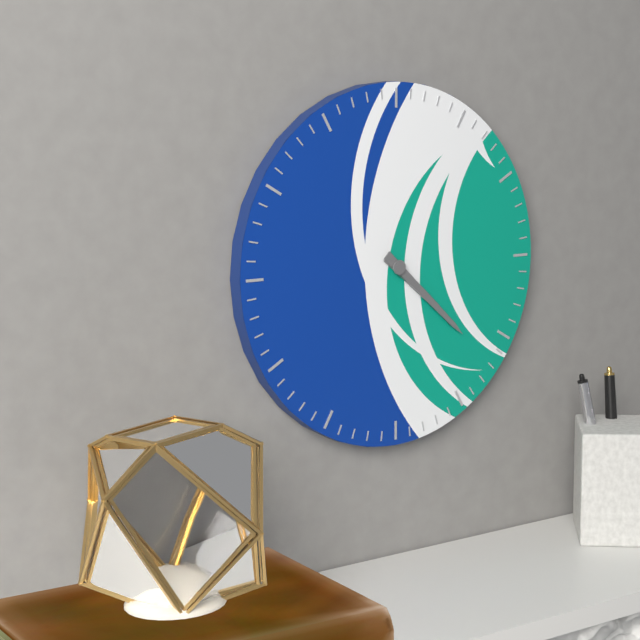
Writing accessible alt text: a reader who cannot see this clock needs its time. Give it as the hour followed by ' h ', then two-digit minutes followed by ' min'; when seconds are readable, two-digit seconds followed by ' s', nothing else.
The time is 4 h 22 min
